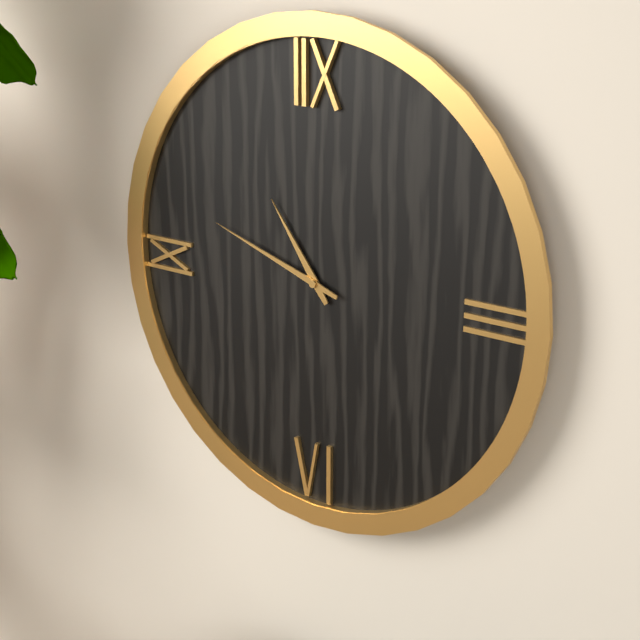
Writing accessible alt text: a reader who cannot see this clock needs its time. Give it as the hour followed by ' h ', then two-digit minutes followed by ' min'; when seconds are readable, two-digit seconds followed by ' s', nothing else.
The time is 10 h 48 min
